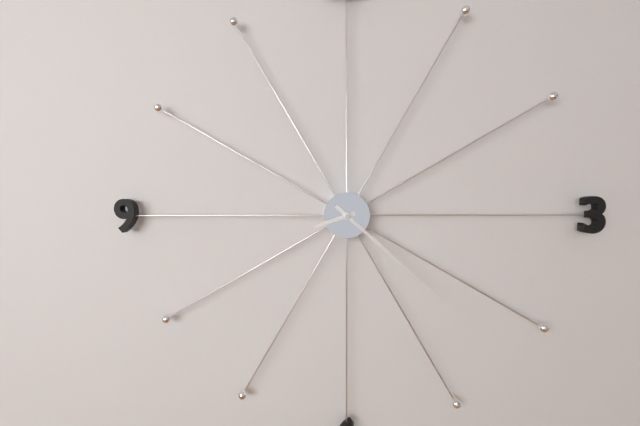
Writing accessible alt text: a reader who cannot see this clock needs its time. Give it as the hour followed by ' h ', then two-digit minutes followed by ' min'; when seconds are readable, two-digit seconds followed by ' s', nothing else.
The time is 8 h 22 min
